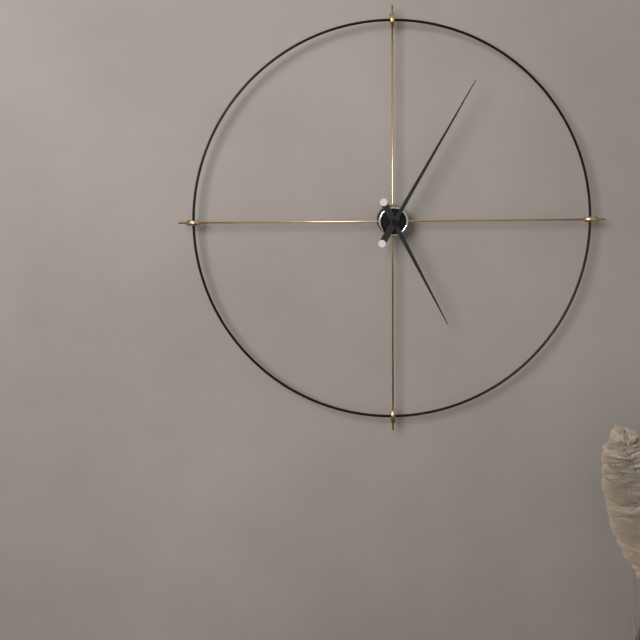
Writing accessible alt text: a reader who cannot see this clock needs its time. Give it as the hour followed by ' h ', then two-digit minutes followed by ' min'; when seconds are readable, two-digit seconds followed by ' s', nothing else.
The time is 5 h 05 min
